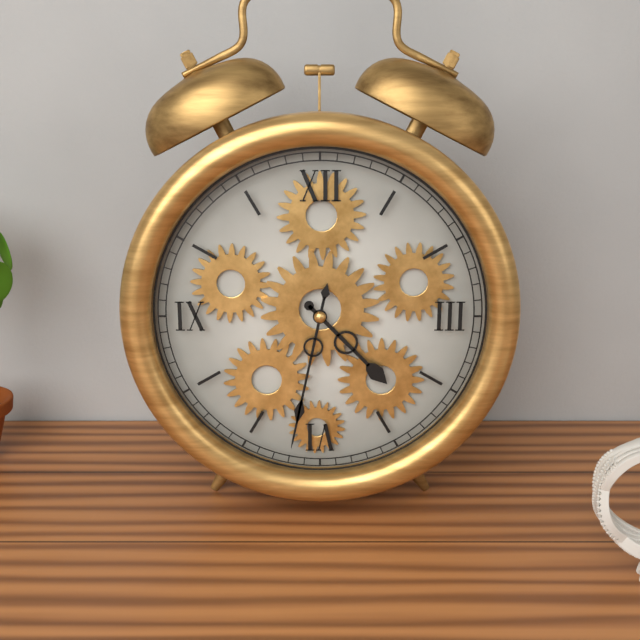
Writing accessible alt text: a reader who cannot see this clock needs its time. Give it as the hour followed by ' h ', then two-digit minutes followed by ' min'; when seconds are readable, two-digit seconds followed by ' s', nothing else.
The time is 4 h 32 min
